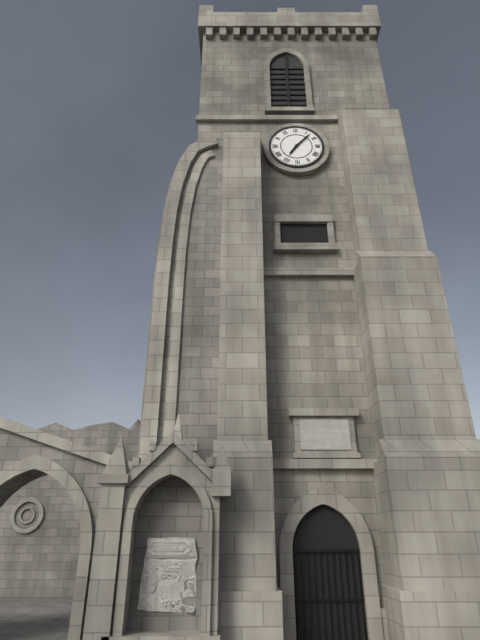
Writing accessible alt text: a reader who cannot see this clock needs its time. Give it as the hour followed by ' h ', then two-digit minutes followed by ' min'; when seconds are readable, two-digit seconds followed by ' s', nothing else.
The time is 7 h 07 min
